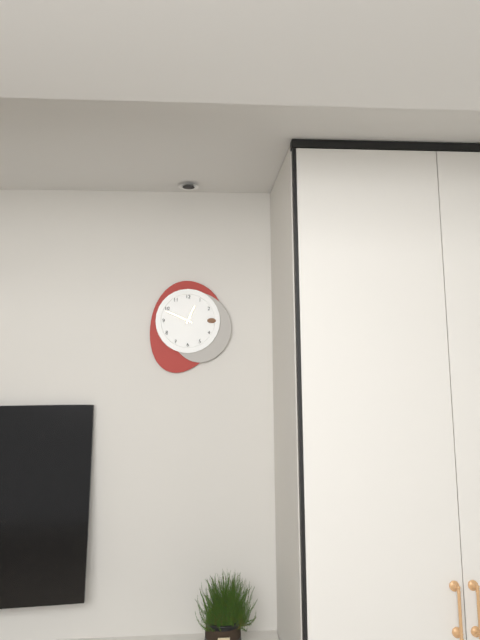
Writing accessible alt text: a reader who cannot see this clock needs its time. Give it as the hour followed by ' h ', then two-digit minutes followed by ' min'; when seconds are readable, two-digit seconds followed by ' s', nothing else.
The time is 12 h 49 min
